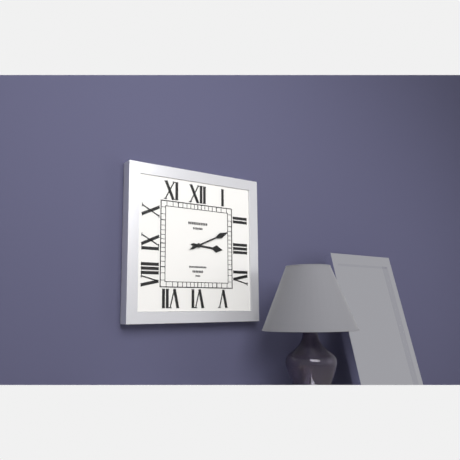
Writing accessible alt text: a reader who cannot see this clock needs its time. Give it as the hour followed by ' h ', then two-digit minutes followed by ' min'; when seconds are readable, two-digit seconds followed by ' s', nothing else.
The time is 3 h 11 min
